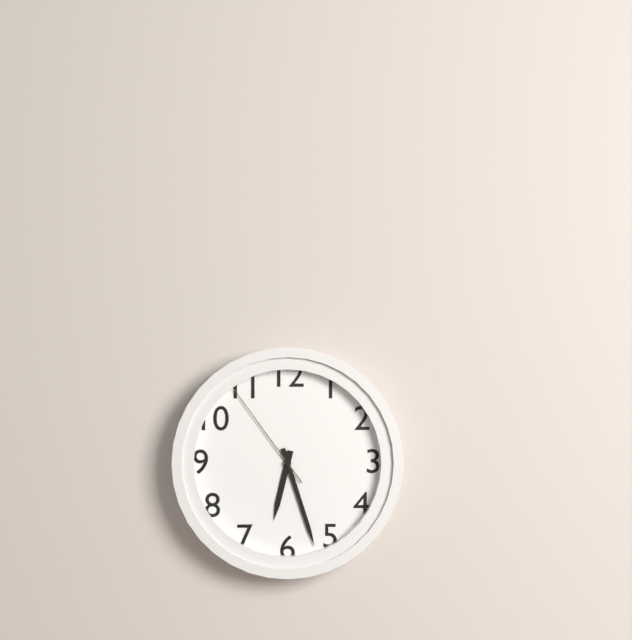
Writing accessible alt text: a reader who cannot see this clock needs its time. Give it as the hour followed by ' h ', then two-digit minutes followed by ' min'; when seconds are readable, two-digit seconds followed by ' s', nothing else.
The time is 6 h 27 min 54 s
